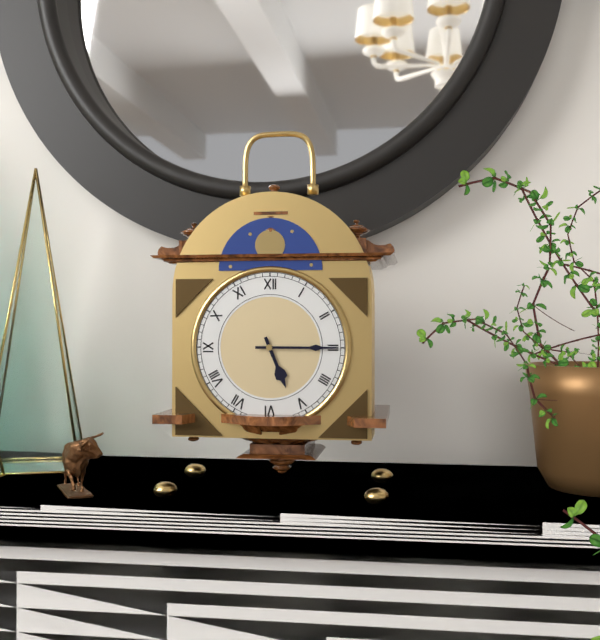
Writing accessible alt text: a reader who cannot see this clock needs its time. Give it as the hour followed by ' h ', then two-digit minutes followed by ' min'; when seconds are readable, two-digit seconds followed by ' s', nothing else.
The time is 5 h 15 min
